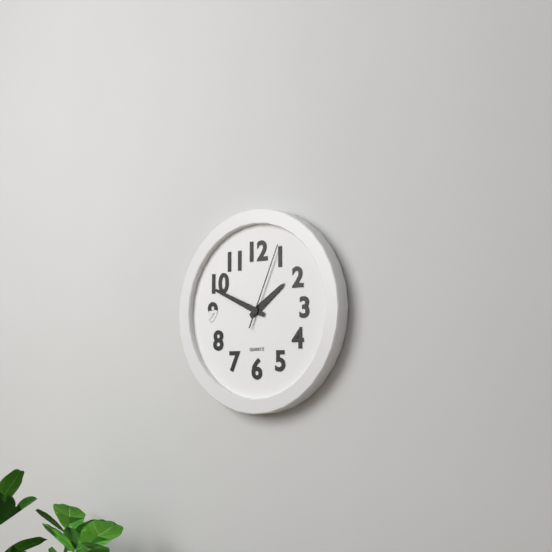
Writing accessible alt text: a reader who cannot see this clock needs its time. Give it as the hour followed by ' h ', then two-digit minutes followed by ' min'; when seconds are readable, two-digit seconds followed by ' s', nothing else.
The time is 1 h 49 min 04 s
